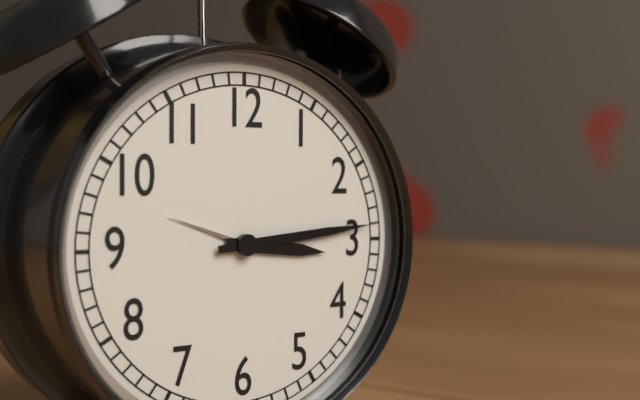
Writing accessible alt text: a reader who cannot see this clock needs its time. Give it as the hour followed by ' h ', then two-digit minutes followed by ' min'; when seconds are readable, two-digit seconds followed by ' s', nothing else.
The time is 3 h 14 min
